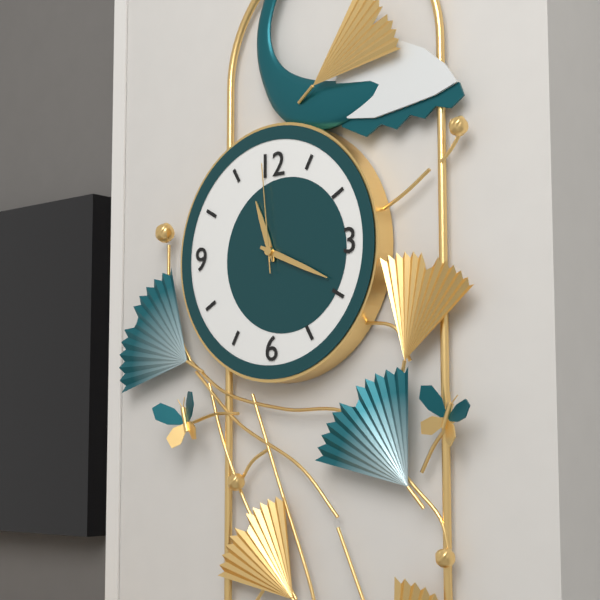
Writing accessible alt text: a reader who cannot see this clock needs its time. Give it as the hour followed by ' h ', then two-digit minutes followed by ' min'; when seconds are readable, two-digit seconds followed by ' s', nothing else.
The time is 11 h 19 min 59 s
